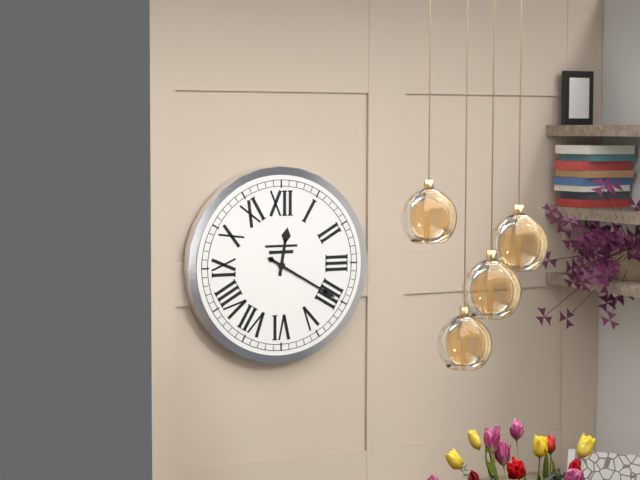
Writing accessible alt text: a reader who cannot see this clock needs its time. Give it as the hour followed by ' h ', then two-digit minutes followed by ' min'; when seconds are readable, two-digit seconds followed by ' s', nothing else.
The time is 12 h 20 min
